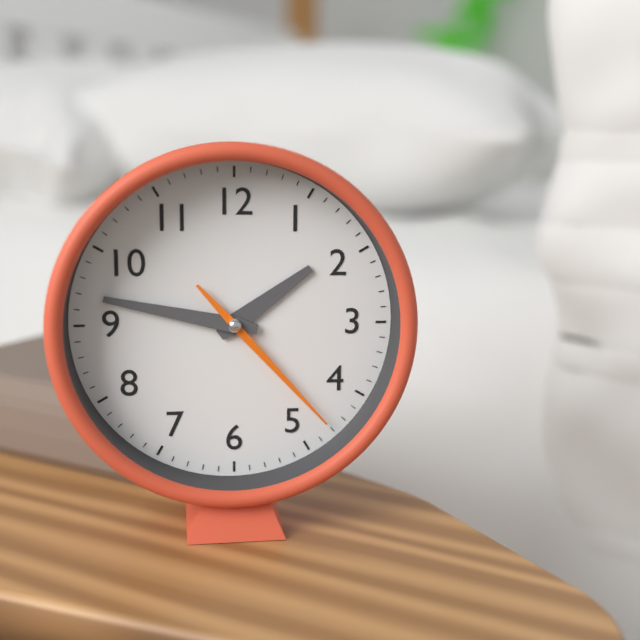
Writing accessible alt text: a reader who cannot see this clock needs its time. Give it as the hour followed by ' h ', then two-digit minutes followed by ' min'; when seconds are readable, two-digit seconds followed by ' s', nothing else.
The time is 1 h 47 min 23 s
